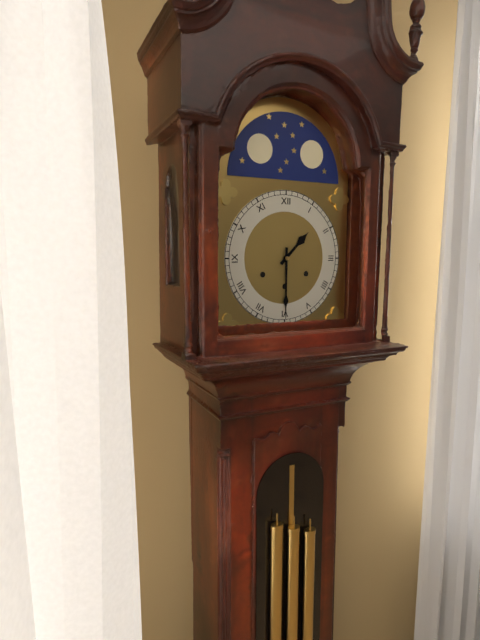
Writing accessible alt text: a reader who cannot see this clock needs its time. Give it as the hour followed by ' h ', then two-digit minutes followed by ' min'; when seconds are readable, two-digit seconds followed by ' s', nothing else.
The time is 1 h 30 min
